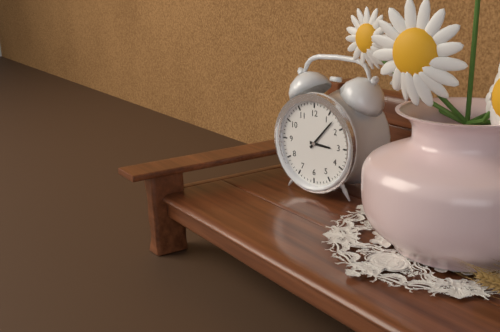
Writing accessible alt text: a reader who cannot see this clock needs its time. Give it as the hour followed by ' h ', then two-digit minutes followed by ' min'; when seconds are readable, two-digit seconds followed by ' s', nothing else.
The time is 3 h 07 min
